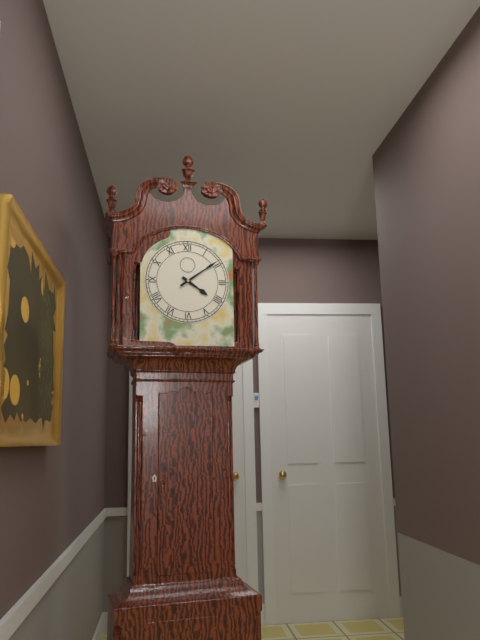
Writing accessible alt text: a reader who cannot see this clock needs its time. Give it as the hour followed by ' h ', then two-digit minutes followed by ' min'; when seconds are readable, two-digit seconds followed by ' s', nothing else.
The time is 4 h 09 min
